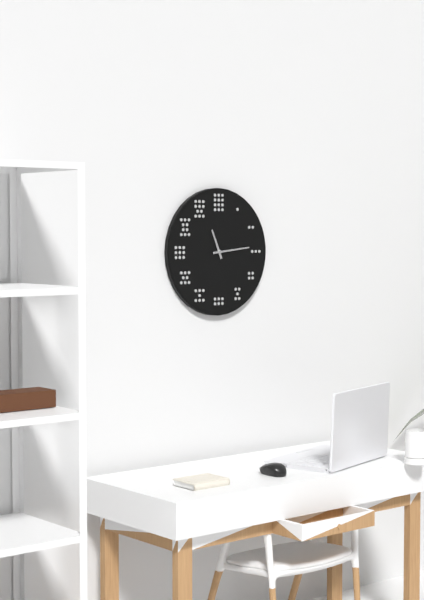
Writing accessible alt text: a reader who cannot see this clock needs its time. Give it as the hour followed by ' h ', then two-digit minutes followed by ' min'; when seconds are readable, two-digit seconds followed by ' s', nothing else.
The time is 11 h 14 min
